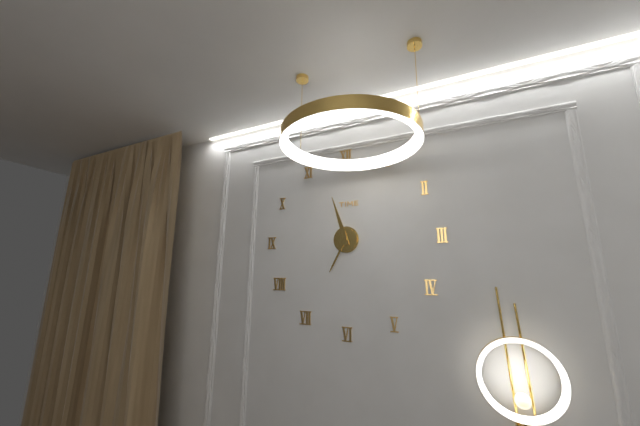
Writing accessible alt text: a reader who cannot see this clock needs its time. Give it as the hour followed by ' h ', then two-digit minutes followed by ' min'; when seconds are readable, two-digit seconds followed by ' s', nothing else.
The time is 6 h 57 min
